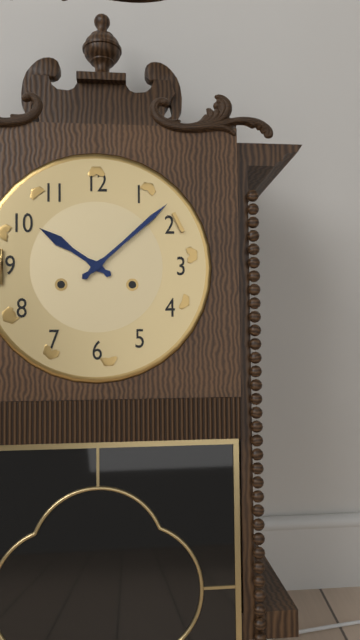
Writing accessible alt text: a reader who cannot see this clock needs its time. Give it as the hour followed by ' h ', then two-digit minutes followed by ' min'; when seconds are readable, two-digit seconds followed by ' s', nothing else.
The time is 10 h 08 min
